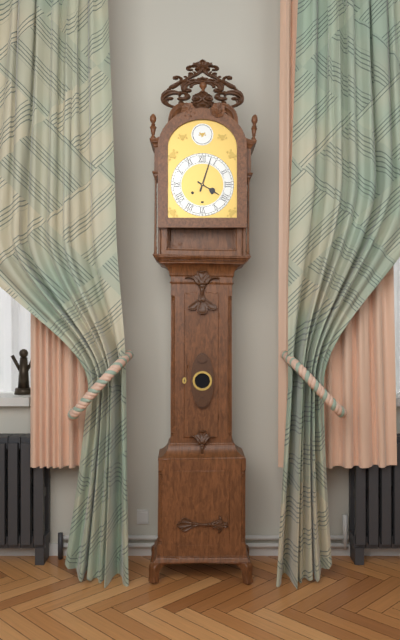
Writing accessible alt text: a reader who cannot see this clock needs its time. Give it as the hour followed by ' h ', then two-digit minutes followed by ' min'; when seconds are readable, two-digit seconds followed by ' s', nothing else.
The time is 4 h 03 min
